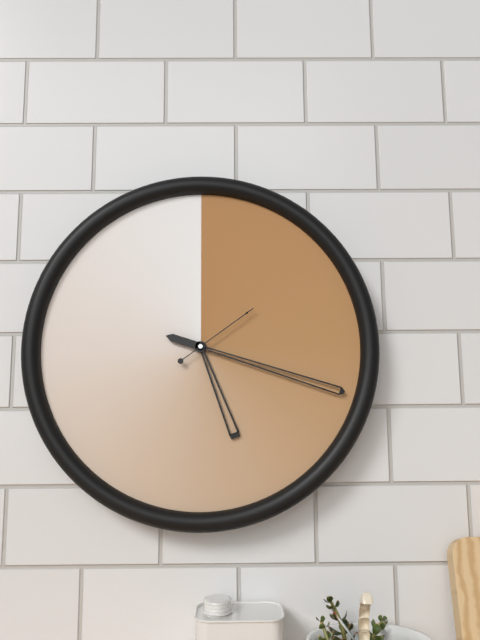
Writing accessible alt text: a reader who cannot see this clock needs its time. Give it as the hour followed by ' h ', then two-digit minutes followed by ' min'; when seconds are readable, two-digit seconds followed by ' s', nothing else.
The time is 5 h 18 min 09 s
